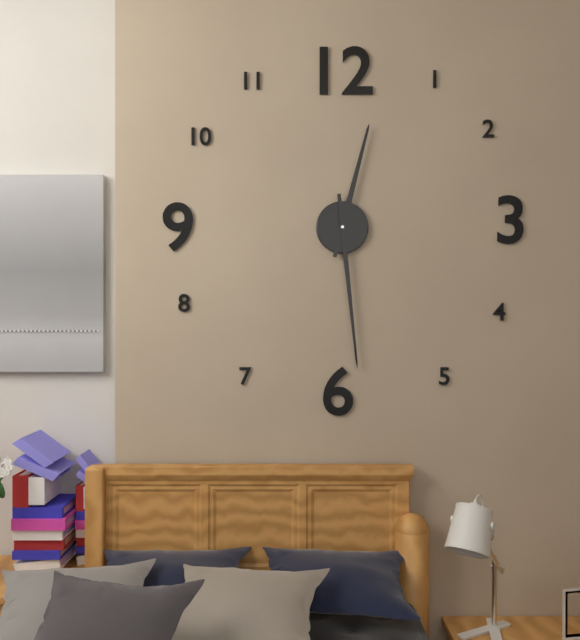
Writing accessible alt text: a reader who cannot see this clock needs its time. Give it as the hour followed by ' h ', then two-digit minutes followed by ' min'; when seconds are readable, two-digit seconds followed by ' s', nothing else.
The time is 12 h 29 min
